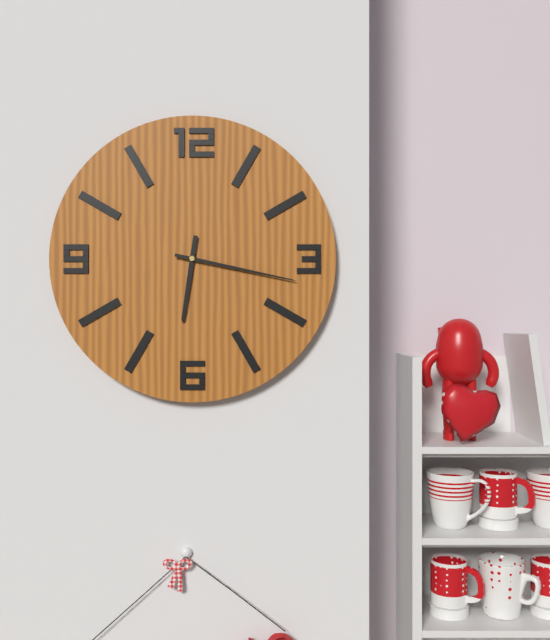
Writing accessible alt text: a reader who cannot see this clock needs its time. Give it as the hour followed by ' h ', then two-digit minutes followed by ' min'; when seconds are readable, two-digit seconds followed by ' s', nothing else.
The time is 6 h 17 min
